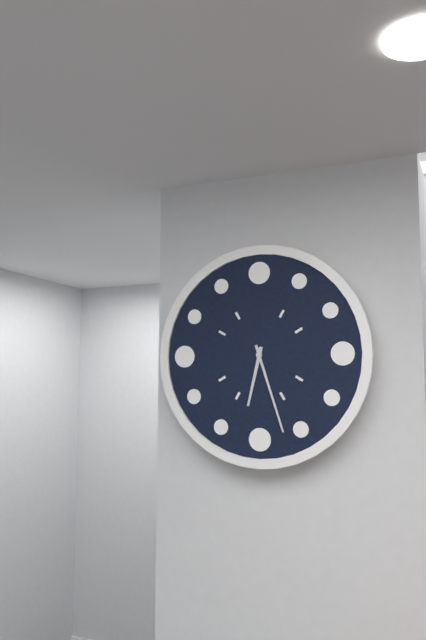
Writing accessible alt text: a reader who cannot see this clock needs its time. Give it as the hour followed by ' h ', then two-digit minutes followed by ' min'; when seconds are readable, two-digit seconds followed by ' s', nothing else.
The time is 6 h 27 min
